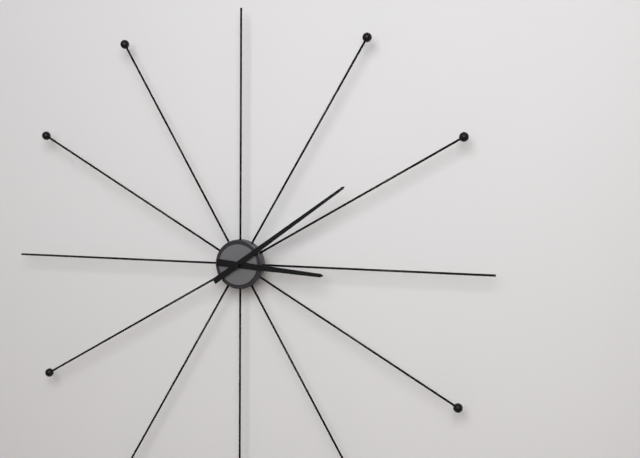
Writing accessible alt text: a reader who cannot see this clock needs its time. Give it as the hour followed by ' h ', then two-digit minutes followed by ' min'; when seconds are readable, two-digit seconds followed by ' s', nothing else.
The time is 3 h 09 min
